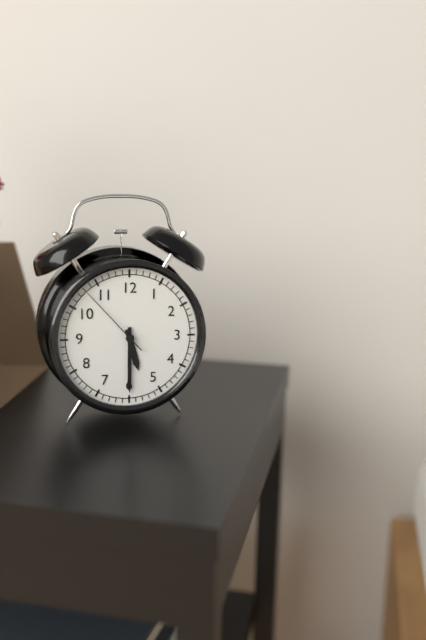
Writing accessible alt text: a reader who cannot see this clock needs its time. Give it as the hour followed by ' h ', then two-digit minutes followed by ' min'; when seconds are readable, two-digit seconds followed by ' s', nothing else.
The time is 5 h 30 min 53 s
